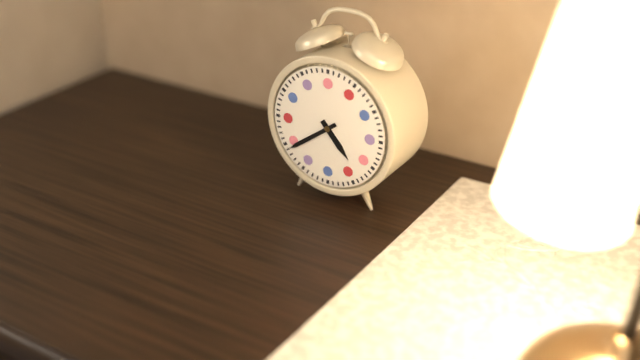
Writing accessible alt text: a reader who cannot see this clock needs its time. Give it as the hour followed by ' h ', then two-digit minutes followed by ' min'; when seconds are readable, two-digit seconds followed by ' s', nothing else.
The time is 4 h 39 min
